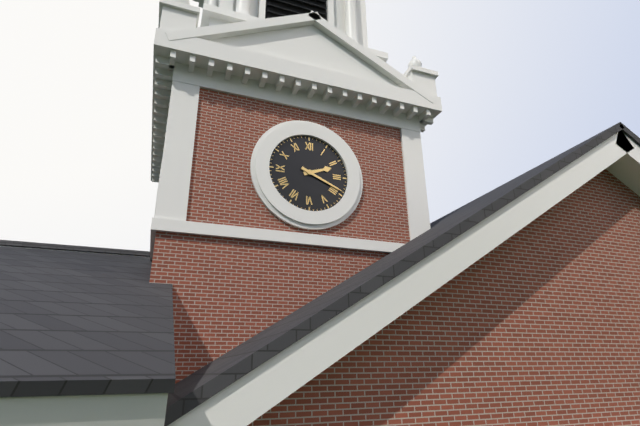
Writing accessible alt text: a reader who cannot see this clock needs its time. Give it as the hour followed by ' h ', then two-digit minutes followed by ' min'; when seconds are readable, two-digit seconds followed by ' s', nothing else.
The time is 2 h 19 min
